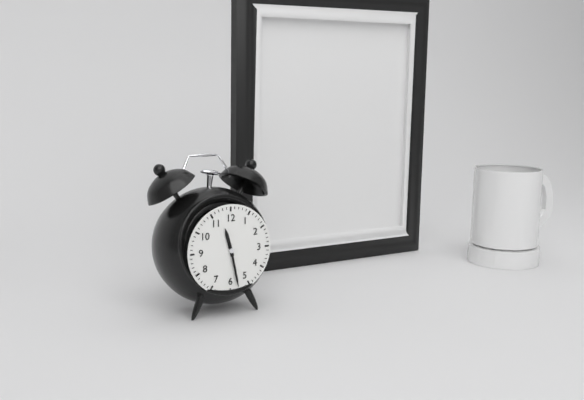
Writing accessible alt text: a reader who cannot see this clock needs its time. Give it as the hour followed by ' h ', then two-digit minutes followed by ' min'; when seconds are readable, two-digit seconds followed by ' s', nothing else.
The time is 11 h 28 min
